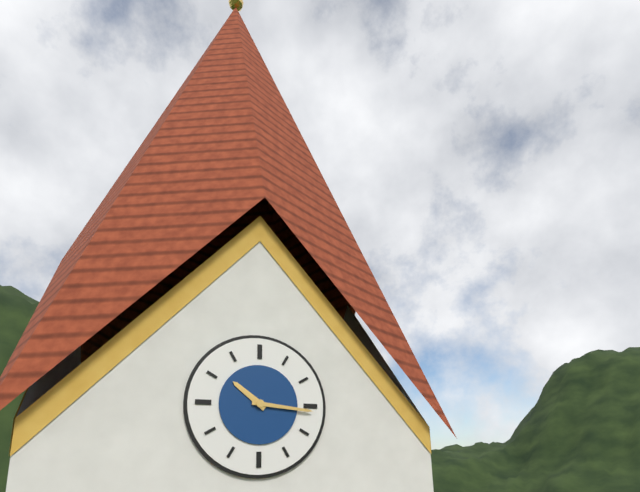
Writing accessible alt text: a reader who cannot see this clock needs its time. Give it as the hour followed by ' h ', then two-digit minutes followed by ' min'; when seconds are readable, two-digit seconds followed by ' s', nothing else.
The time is 10 h 16 min
